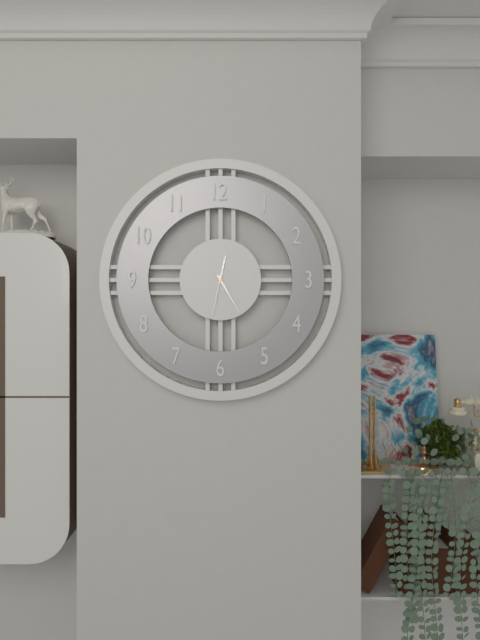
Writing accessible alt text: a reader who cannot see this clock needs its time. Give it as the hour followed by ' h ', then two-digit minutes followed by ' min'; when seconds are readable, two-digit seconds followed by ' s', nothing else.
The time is 12 h 25 min 32 s
